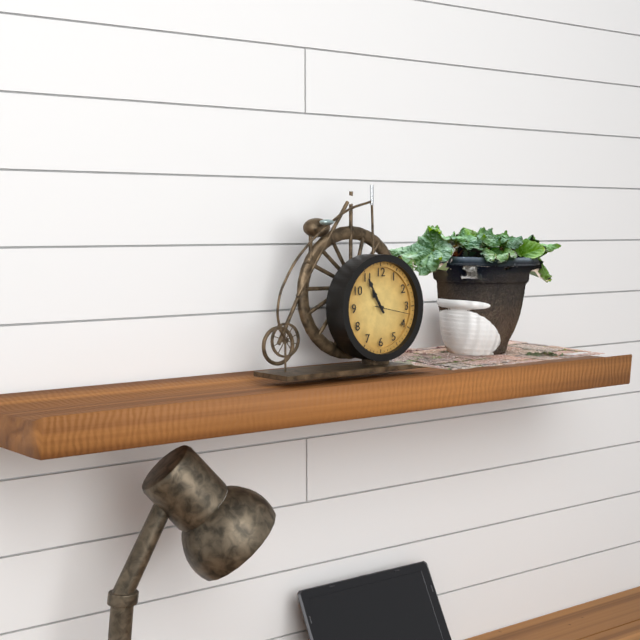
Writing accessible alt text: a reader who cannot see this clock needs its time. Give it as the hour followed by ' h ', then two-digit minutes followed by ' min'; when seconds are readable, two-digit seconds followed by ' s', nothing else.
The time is 10 h 55 min
